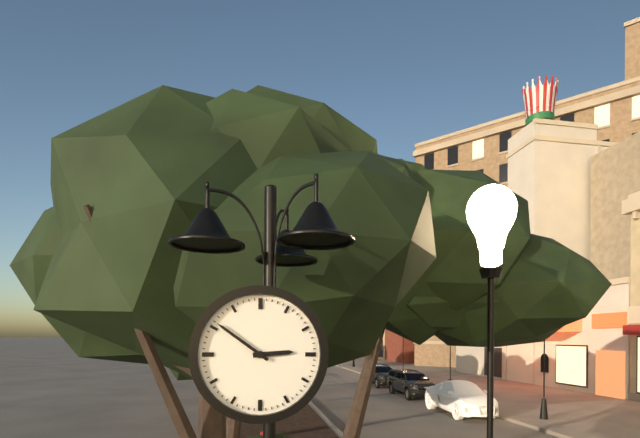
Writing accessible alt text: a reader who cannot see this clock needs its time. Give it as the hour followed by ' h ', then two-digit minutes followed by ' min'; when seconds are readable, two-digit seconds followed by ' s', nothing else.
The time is 2 h 51 min
